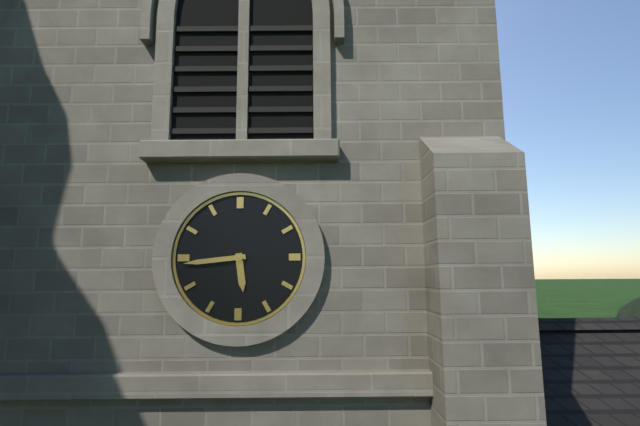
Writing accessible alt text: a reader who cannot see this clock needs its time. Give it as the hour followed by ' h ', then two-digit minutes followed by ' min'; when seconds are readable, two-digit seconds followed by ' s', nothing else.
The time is 5 h 44 min
